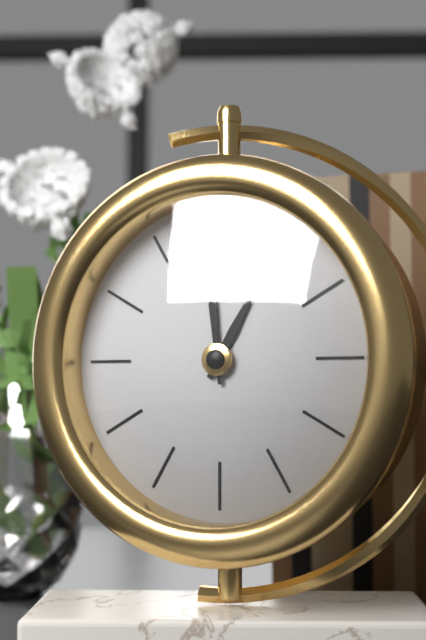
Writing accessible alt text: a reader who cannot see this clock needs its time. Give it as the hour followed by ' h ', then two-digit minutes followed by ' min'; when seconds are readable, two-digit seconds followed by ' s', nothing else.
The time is 12 h 59 min
